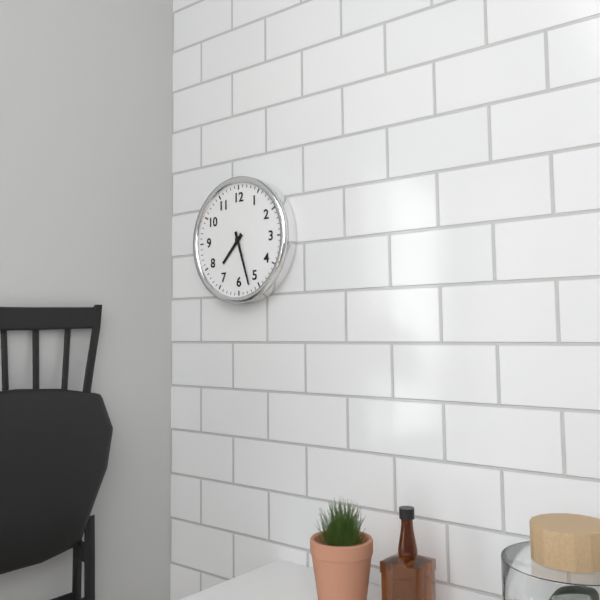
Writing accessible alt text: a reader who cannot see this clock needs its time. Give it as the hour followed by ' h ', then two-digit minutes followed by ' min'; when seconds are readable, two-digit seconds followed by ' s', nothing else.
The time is 7 h 27 min
